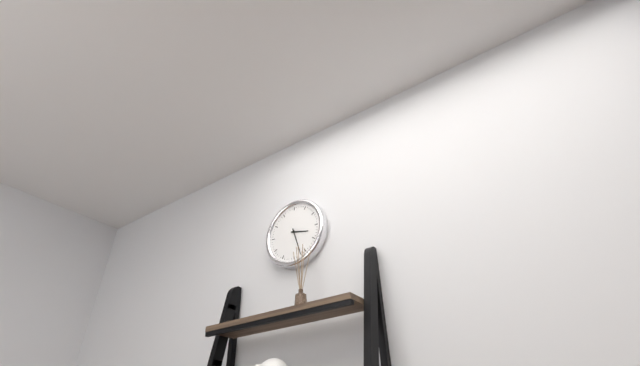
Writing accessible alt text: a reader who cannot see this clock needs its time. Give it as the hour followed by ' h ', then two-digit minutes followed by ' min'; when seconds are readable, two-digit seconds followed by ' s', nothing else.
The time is 3 h 27 min
